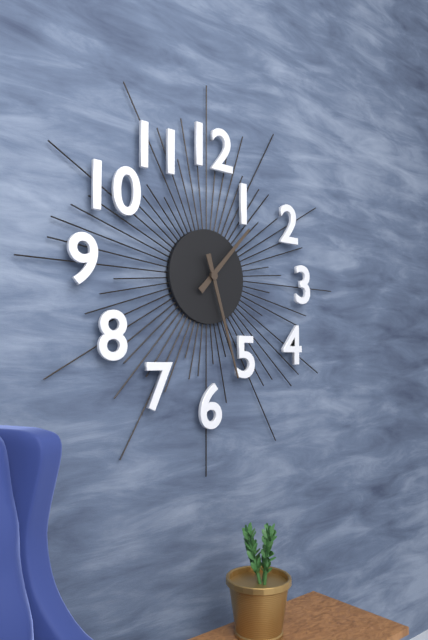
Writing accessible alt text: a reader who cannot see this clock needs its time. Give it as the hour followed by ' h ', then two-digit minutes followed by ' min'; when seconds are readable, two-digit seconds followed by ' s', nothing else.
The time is 1 h 27 min
